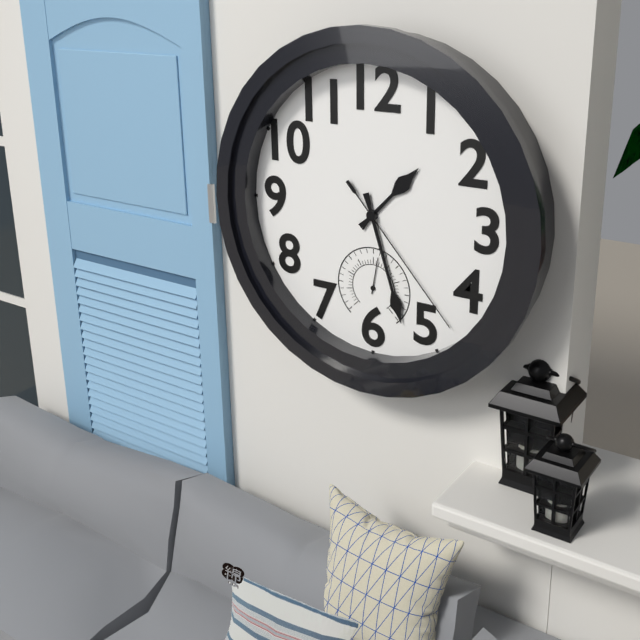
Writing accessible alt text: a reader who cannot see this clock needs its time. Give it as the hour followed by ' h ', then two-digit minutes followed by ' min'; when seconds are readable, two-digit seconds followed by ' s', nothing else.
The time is 1 h 27 min 23 s
